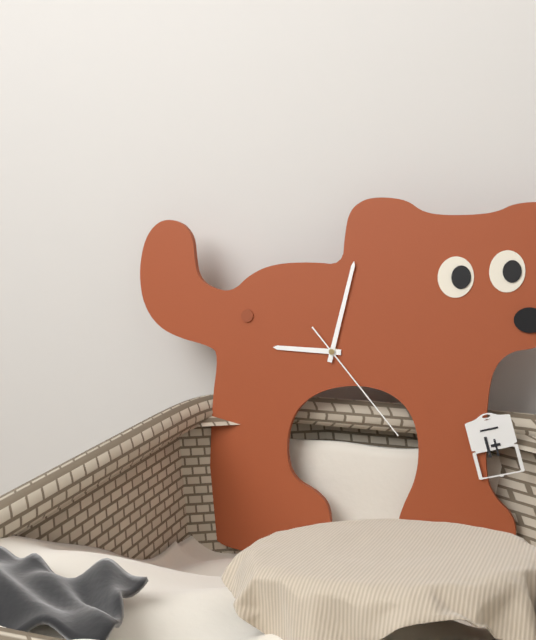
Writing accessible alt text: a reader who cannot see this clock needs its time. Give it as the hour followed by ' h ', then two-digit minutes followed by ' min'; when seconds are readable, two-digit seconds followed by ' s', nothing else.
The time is 9 h 02 min 23 s
